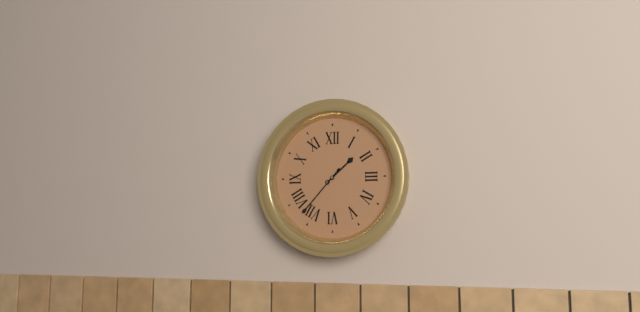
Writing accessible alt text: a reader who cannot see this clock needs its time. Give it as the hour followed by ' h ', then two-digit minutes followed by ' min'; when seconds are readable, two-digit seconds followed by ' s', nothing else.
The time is 1 h 37 min
